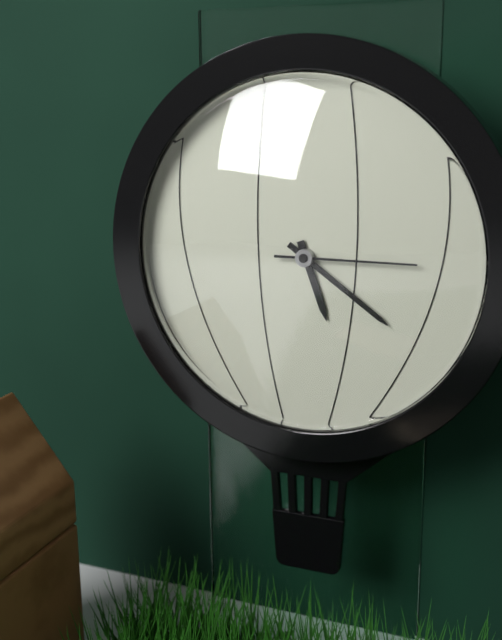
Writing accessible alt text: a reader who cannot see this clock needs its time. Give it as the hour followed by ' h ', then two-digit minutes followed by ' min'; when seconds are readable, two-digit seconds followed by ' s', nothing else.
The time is 5 h 21 min 15 s
